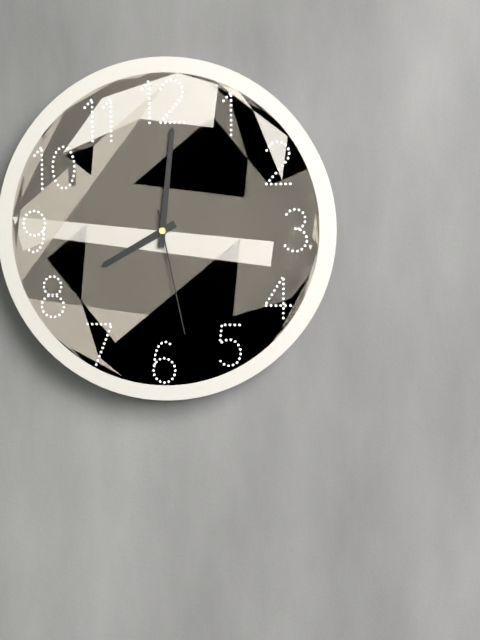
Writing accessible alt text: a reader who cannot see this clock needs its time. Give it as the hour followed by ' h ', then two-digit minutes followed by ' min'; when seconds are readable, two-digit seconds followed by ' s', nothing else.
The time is 8 h 01 min 28 s
